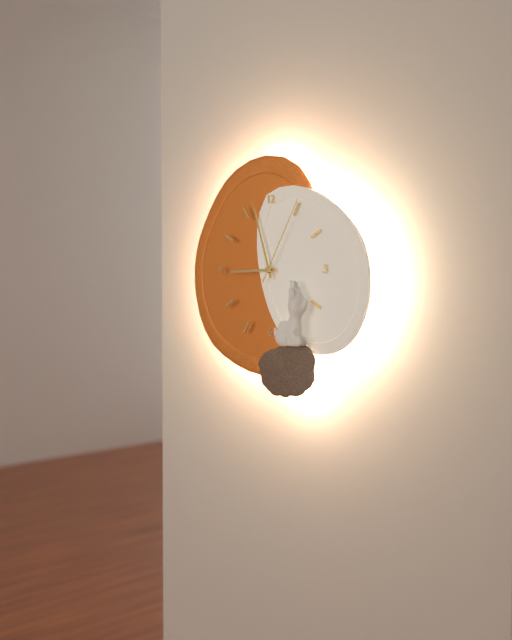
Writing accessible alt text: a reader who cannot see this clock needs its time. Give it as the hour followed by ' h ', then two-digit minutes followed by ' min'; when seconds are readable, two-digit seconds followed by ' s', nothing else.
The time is 8 h 57 min 05 s
